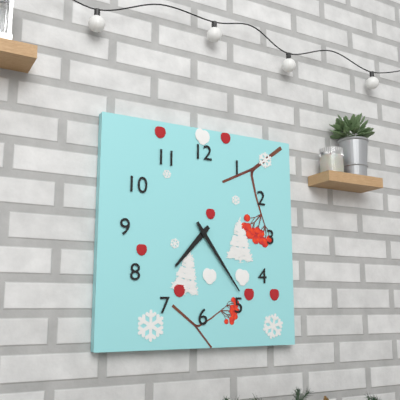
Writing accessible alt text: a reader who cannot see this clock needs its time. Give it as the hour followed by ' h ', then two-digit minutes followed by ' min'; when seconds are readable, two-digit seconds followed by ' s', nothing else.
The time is 7 h 24 min
